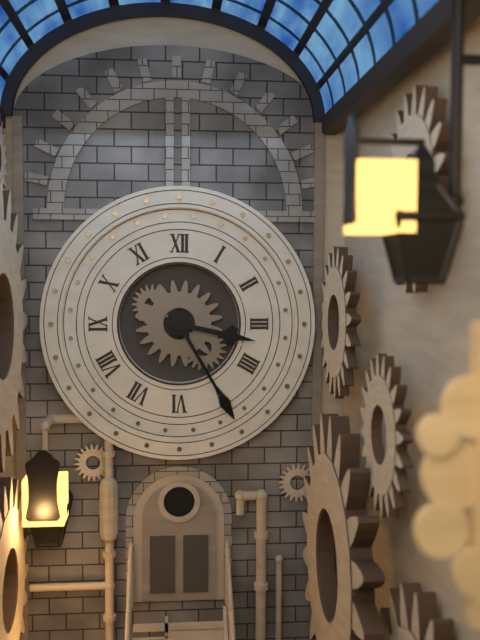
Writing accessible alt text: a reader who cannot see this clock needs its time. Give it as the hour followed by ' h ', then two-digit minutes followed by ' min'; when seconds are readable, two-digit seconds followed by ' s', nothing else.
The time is 3 h 25 min
